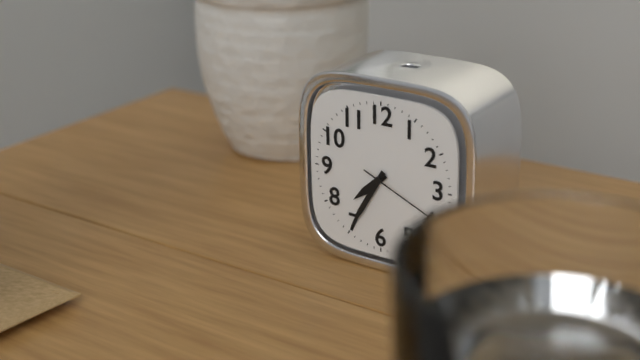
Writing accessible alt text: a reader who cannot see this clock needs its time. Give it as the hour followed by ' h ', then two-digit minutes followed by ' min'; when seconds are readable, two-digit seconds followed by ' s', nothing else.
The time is 7 h 35 min 19 s
